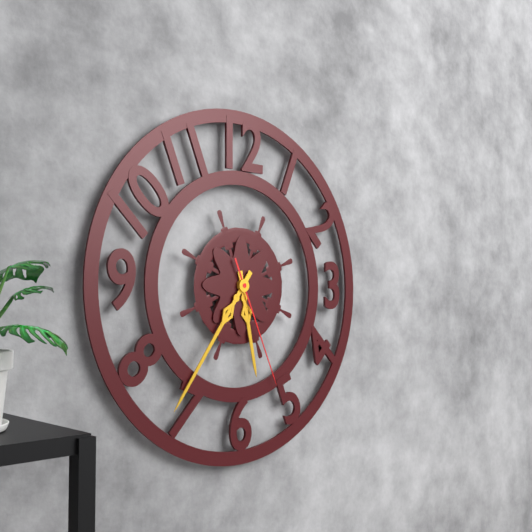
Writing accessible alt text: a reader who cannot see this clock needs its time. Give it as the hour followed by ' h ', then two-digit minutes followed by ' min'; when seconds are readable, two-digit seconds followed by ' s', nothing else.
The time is 5 h 36 min 26 s
